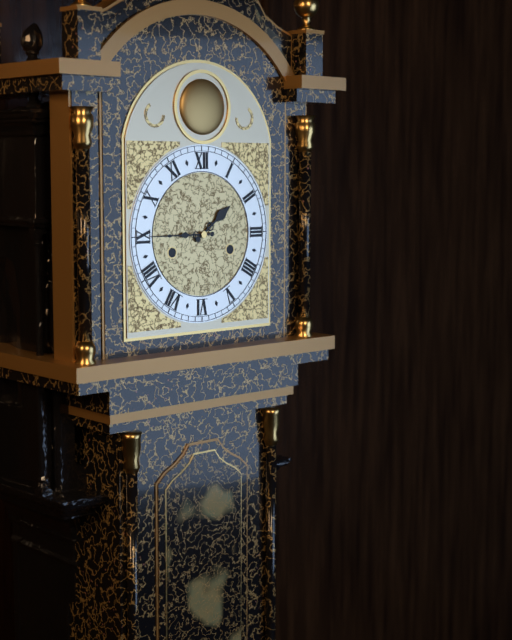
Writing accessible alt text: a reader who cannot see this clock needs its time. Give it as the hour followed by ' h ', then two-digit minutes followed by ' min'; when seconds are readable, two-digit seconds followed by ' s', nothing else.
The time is 1 h 45 min
